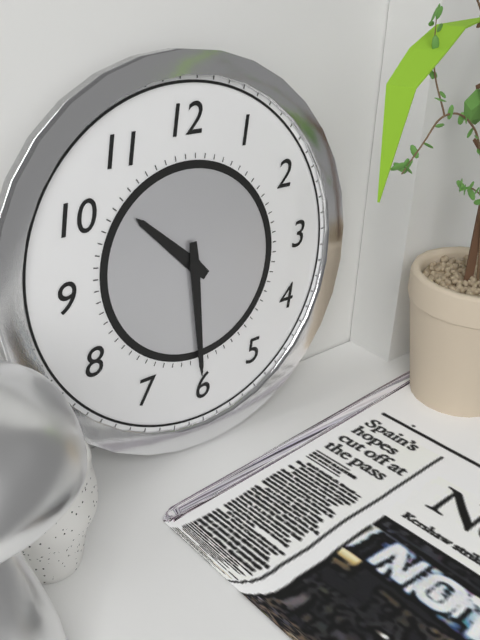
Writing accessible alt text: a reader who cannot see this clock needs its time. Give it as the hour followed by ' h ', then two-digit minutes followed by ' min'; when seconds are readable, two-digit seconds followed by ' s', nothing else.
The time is 10 h 30 min
